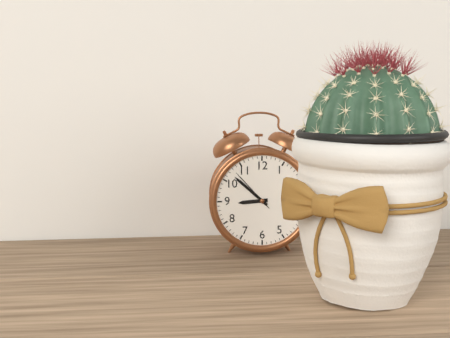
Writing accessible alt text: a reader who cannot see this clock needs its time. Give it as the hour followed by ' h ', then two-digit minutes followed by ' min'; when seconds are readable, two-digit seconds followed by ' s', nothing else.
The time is 8 h 52 min 53 s
